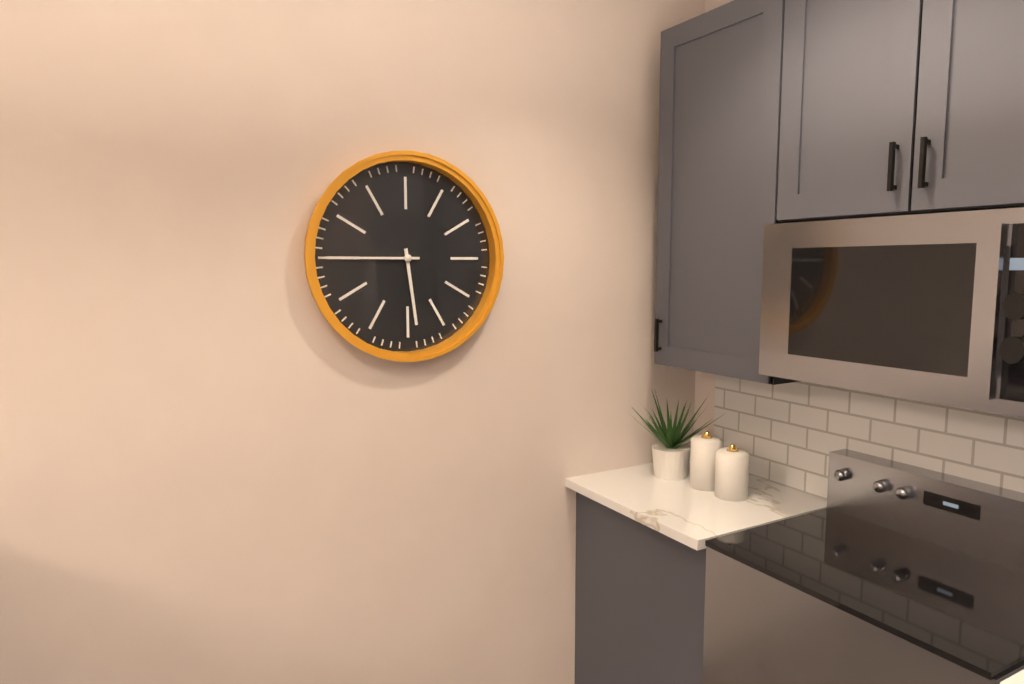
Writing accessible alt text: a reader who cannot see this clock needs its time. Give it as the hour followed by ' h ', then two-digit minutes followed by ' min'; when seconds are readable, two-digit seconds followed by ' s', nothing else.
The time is 5 h 45 min
